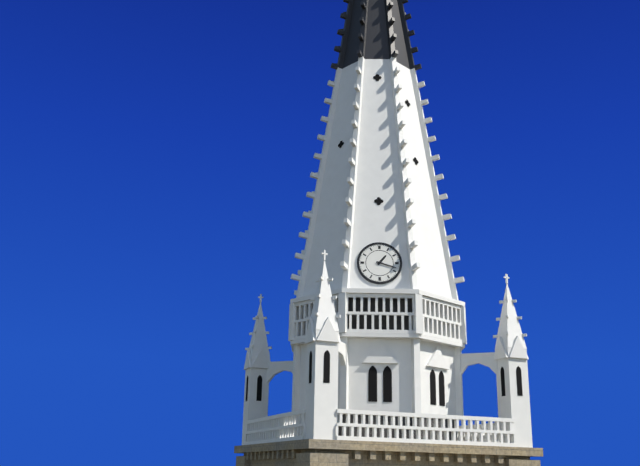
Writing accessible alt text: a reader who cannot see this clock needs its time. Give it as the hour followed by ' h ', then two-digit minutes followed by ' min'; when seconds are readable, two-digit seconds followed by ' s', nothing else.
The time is 1 h 18 min
